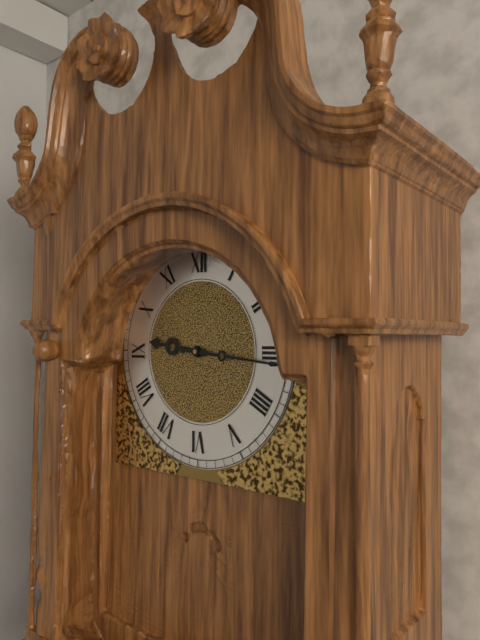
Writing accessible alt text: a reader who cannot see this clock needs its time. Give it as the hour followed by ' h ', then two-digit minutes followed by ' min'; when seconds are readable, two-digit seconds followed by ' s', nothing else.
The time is 9 h 16 min
